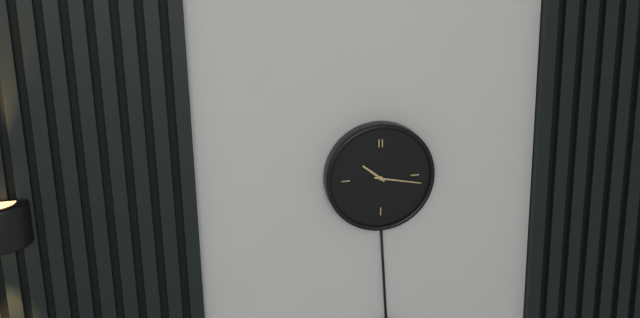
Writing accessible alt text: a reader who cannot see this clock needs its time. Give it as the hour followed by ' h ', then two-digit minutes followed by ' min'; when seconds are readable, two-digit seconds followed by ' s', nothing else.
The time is 10 h 17 min
